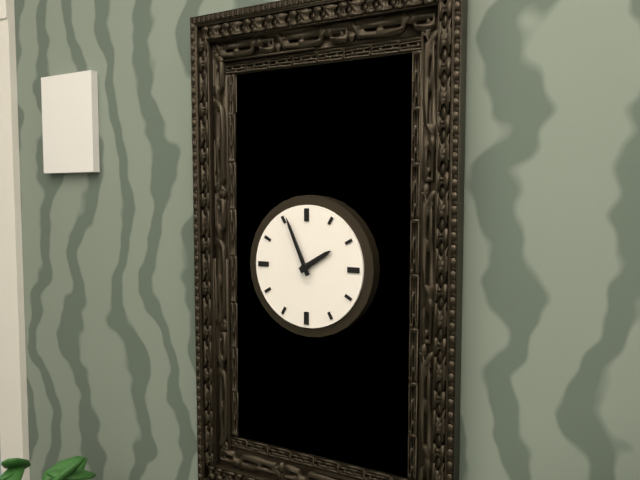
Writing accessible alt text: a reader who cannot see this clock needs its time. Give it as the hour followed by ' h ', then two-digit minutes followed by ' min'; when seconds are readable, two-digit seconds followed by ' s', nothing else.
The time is 1 h 56 min
